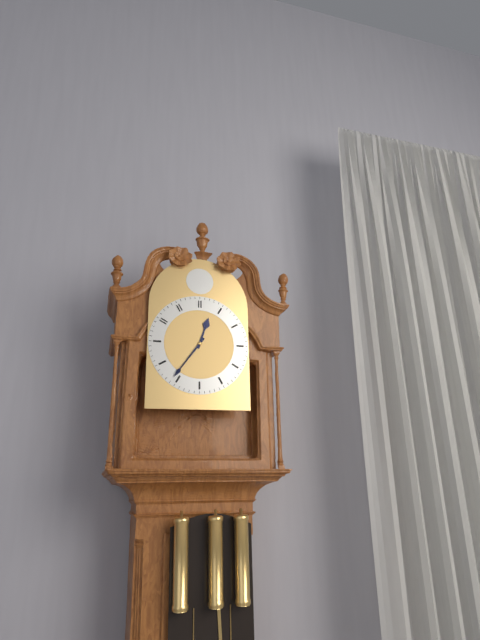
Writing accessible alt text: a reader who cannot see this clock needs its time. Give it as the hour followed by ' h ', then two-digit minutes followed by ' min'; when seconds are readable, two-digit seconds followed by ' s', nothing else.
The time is 12 h 36 min
